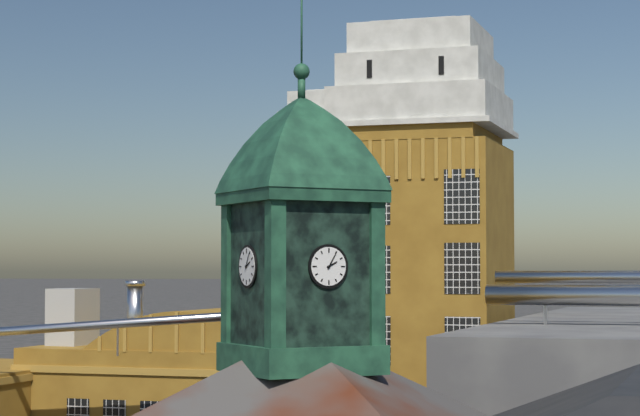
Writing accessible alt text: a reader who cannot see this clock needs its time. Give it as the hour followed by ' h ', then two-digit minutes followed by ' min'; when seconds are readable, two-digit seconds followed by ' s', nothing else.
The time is 2 h 05 min
